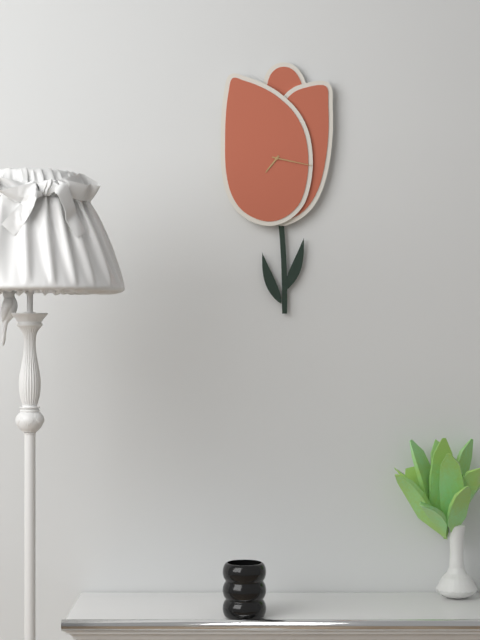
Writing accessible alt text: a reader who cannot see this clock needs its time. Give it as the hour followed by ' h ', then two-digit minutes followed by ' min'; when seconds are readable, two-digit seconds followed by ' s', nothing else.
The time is 7 h 17 min
